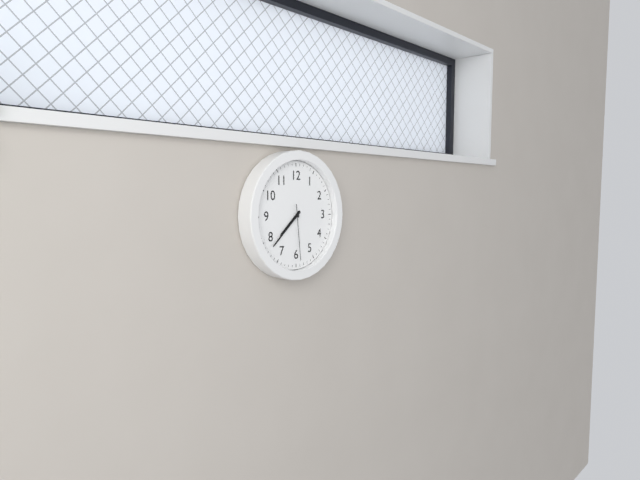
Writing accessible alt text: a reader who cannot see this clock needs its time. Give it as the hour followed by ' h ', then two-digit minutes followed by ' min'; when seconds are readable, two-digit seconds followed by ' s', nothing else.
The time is 7 h 38 min 29 s
